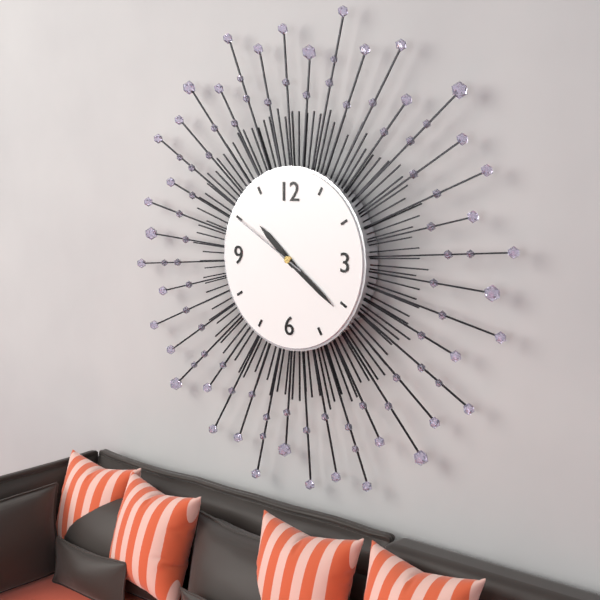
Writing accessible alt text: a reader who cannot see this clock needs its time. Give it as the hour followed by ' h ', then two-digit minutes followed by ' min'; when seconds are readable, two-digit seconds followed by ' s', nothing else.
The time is 10 h 21 min 50 s
